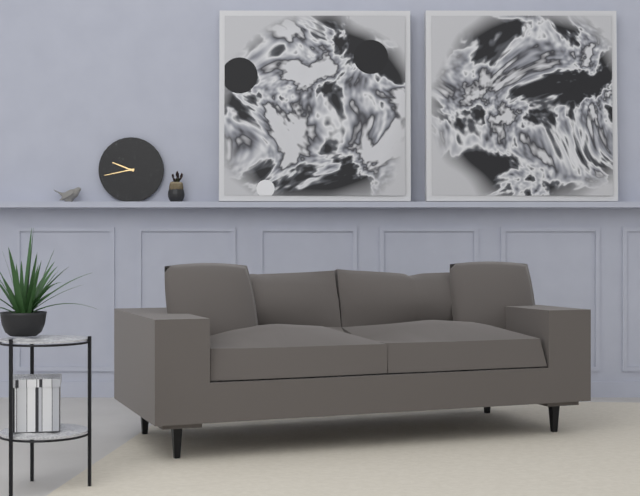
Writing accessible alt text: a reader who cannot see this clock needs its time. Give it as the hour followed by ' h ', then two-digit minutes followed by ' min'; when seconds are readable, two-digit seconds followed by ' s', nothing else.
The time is 9 h 43 min
